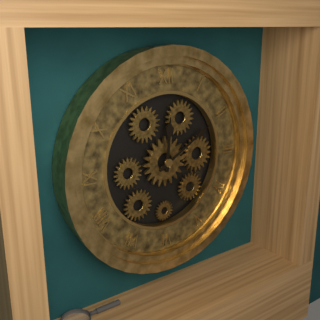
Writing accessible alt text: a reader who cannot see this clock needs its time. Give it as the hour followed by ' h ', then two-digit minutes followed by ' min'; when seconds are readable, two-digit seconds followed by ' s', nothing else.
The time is 12 h 10 min
